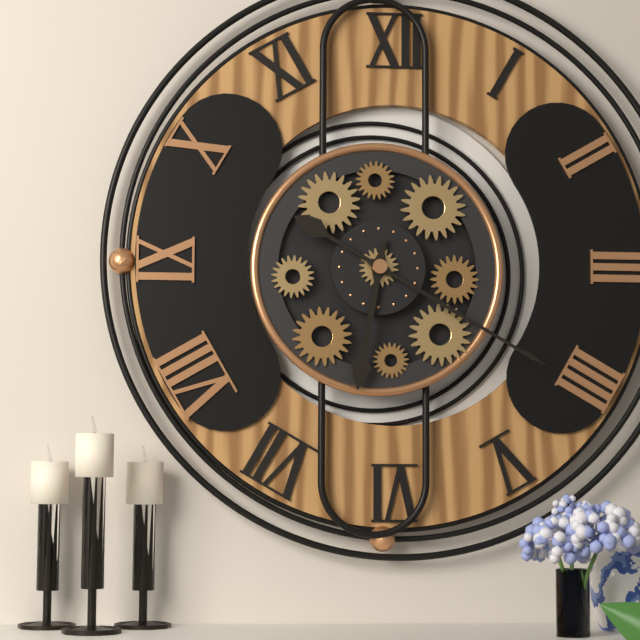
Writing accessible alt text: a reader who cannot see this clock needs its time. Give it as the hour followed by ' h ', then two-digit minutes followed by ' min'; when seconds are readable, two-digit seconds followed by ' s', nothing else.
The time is 6 h 20 min
